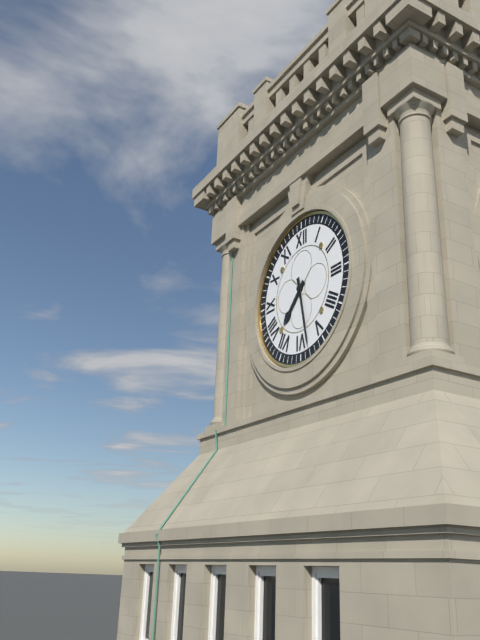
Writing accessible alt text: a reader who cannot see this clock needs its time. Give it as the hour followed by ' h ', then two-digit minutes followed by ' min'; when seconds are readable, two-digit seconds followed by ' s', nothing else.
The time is 7 h 28 min
